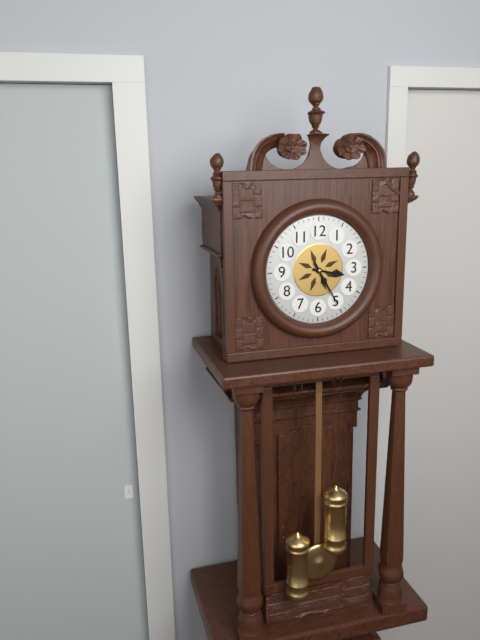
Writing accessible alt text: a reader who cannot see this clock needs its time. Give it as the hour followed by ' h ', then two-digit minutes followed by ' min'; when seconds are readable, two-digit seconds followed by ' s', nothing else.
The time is 3 h 25 min
